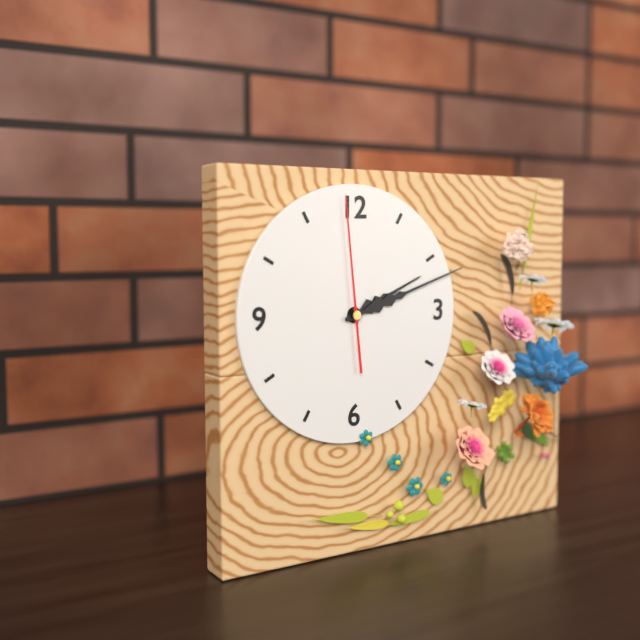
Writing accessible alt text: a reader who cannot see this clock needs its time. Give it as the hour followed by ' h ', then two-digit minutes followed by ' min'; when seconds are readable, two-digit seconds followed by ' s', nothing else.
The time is 2 h 12 min 59 s
